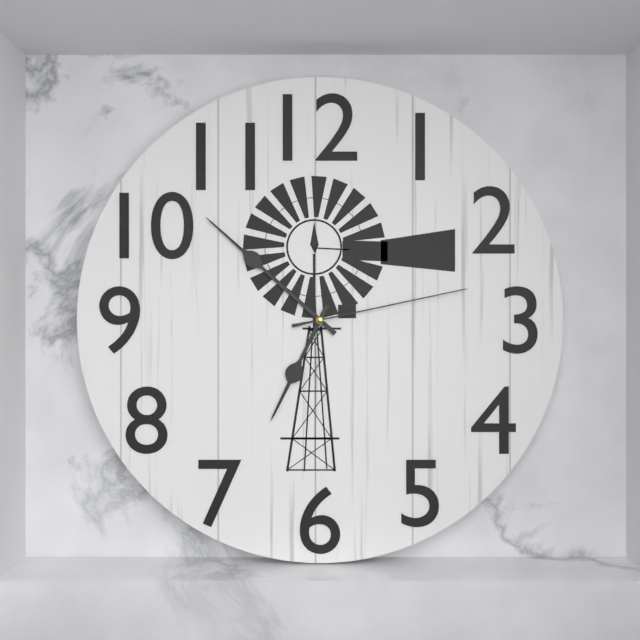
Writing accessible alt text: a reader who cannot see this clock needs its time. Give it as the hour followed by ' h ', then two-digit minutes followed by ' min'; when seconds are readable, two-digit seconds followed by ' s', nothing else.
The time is 6 h 52 min 13 s
